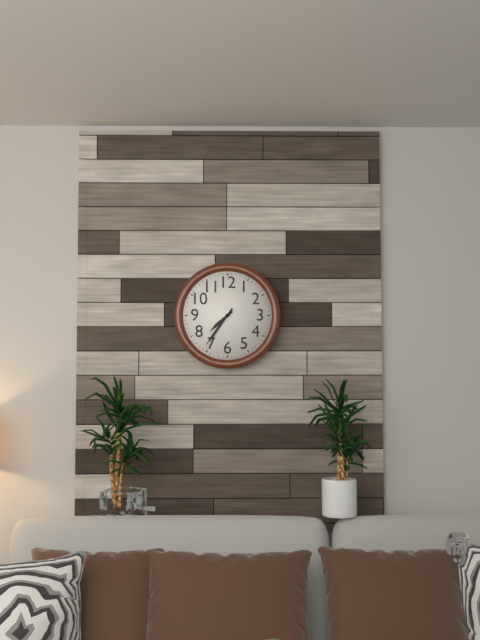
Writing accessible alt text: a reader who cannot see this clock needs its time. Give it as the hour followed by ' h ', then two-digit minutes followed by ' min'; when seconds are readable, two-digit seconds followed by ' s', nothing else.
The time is 7 h 36 min
